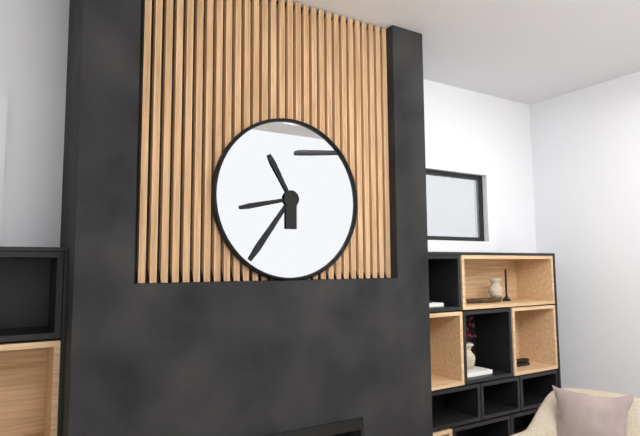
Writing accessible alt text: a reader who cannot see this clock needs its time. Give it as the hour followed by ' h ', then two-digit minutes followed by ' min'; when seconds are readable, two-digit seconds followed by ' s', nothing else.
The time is 8 h 36 min 55 s
